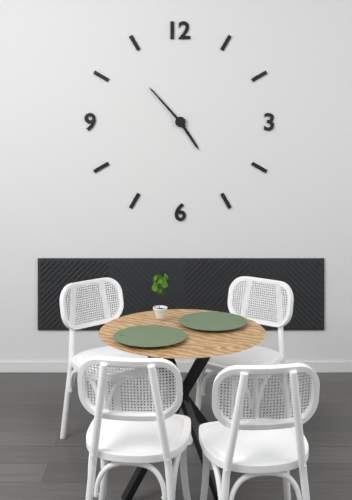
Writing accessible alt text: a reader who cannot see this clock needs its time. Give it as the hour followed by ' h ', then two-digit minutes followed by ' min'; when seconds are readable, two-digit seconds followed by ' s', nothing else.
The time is 4 h 53 min
